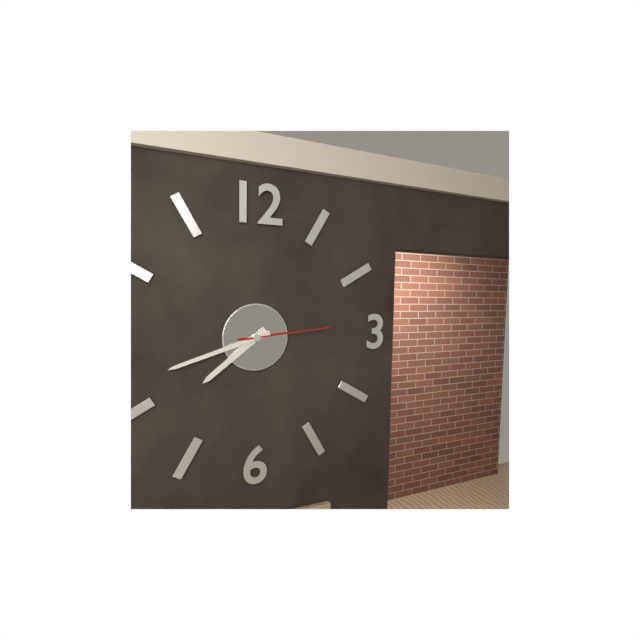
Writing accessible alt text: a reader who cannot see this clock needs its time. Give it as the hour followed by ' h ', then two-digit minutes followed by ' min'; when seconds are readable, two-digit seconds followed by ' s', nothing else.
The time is 7 h 42 min 14 s
